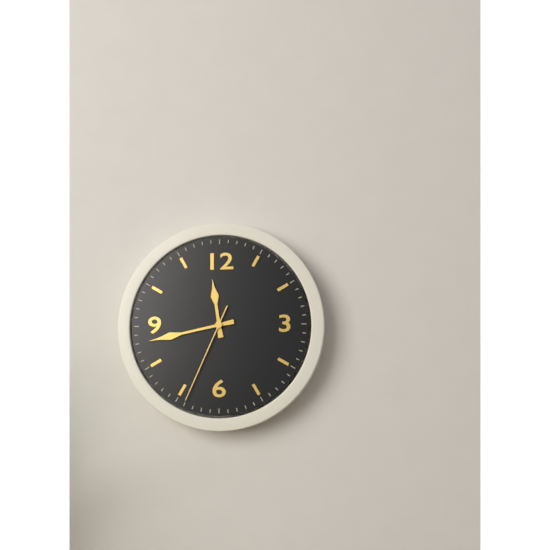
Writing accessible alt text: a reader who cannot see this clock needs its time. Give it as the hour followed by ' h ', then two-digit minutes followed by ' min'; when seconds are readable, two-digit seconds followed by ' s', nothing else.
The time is 11 h 43 min 34 s
